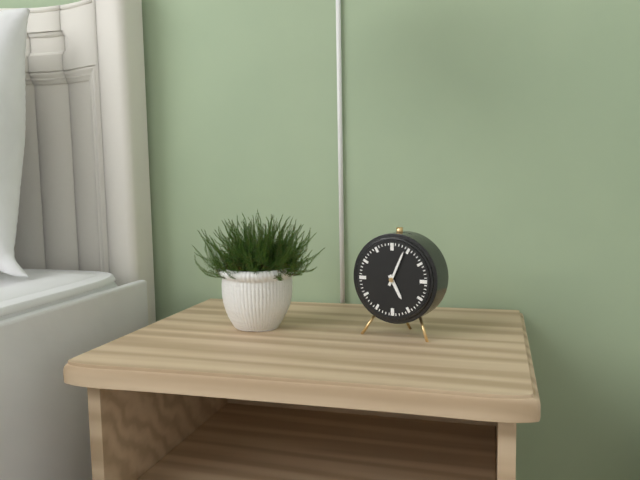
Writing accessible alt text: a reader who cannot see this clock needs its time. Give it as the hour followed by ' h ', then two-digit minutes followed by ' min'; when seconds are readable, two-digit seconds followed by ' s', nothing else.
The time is 5 h 04 min
